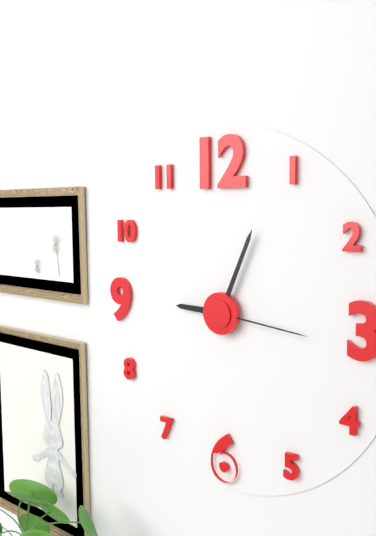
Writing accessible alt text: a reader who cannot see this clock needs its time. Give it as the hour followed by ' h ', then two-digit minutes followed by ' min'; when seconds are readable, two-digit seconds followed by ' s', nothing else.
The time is 9 h 04 min 16 s
